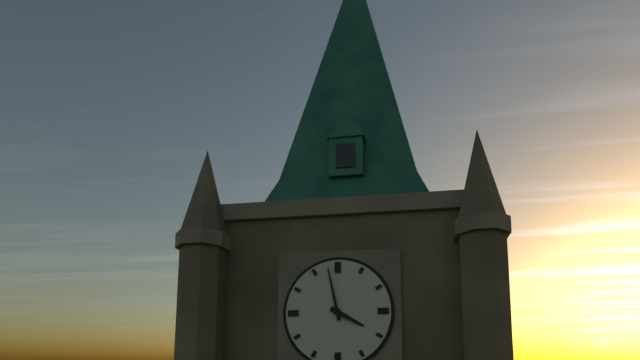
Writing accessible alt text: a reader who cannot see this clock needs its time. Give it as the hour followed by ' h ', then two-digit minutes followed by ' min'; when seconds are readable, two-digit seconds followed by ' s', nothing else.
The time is 3 h 58 min
